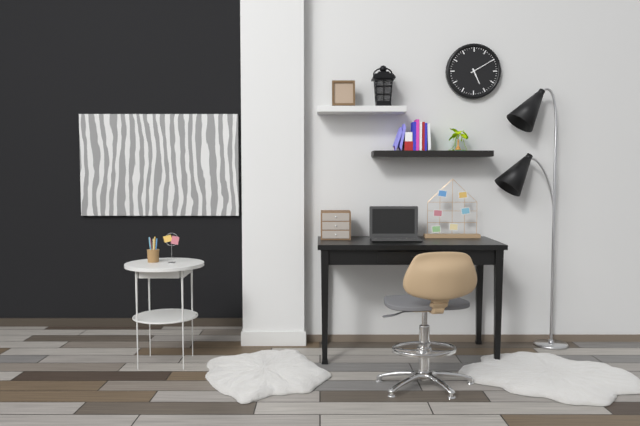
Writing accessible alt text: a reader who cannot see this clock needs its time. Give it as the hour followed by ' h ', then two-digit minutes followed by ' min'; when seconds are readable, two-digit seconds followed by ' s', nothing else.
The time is 5 h 10 min
